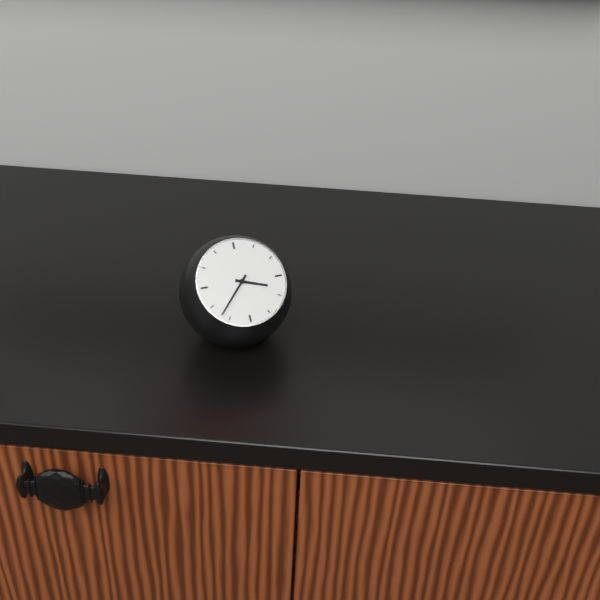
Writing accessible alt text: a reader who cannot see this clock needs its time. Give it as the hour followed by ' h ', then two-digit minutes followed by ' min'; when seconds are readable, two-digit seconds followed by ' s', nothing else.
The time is 3 h 37 min
